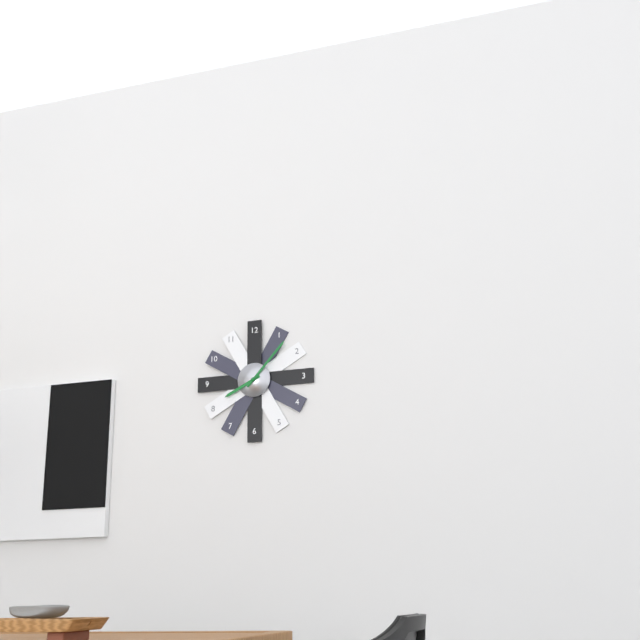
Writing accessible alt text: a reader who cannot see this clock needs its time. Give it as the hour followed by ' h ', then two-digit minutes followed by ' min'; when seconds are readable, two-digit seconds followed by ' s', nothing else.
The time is 8 h 07 min
